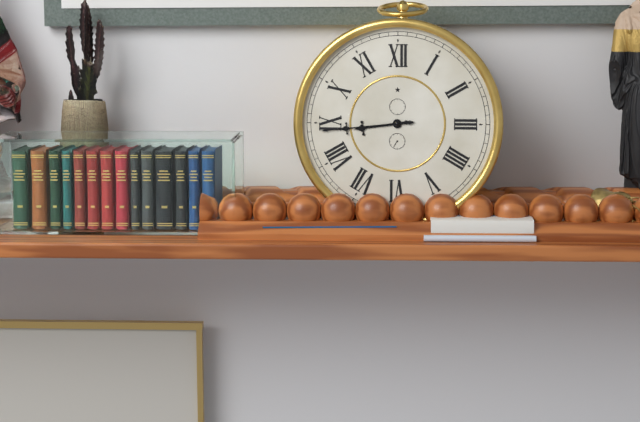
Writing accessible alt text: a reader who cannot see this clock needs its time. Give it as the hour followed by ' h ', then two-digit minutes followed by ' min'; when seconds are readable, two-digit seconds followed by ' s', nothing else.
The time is 8 h 44 min
